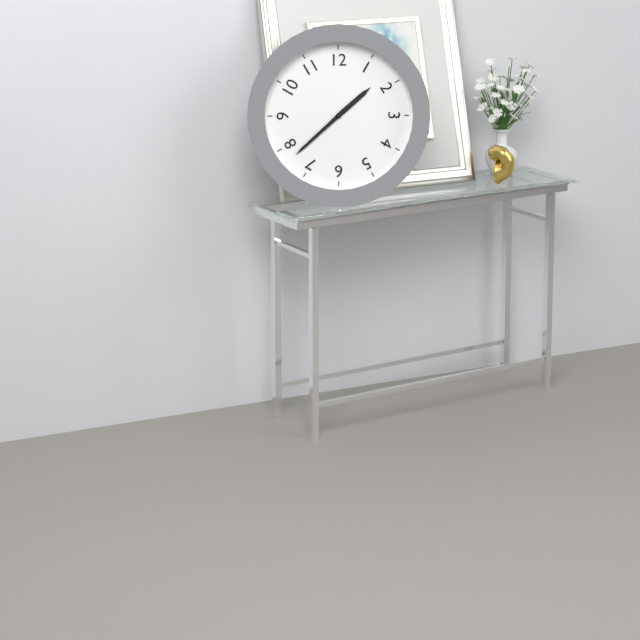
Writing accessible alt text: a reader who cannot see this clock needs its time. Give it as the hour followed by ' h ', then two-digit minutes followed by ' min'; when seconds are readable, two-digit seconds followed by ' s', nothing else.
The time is 1 h 38 min
